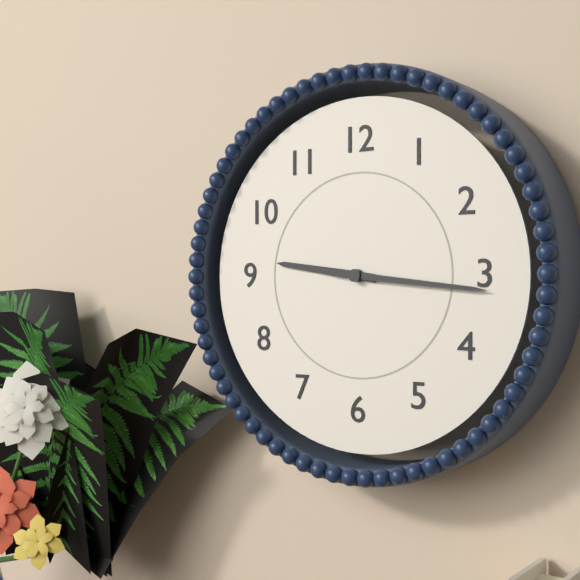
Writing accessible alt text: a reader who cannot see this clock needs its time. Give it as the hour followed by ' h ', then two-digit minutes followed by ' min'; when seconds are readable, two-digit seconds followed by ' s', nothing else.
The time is 9 h 16 min
